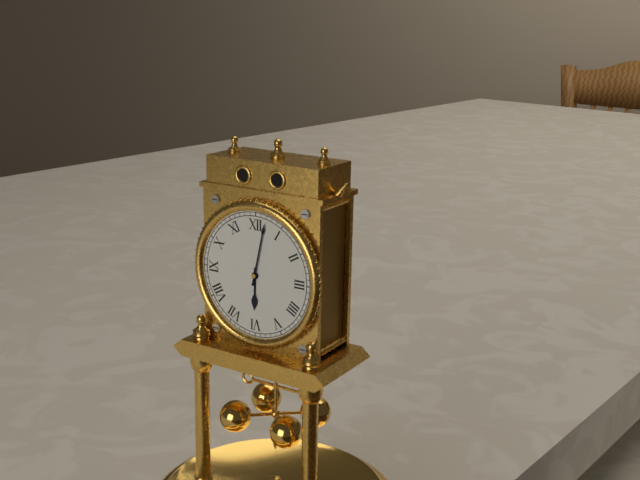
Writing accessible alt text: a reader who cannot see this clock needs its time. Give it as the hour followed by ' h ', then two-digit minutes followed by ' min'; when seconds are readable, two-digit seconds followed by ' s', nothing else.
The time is 6 h 02 min
